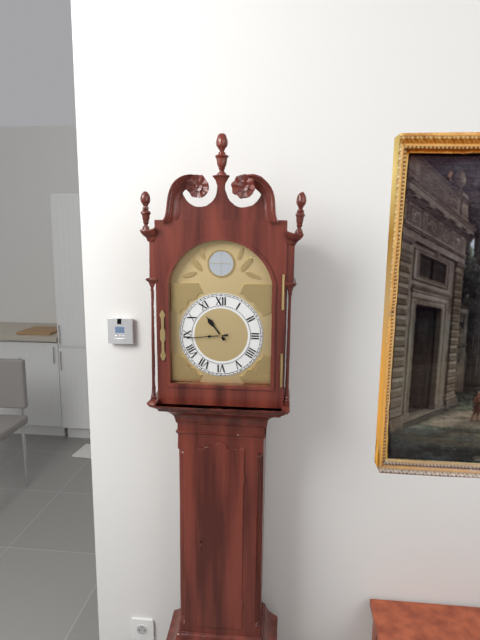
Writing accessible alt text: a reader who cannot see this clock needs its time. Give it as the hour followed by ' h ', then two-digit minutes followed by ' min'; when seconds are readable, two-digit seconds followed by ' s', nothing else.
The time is 10 h 44 min
